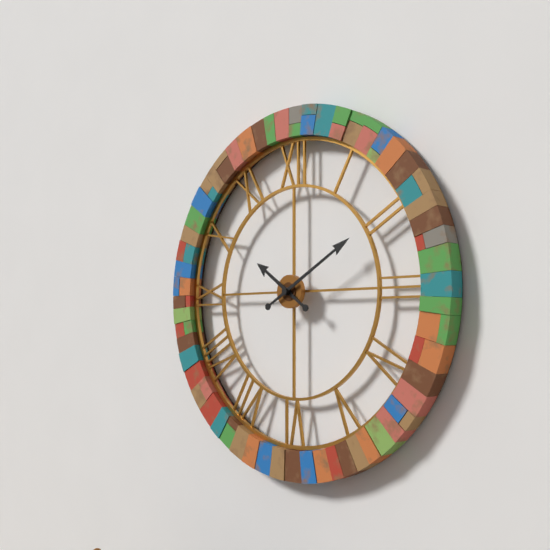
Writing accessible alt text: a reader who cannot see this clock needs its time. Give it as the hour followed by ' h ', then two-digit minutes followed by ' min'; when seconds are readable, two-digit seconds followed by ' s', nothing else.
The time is 10 h 10 min
